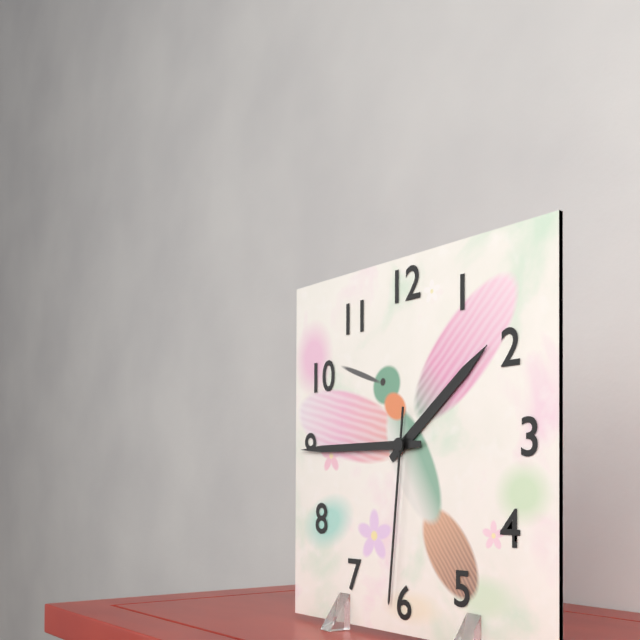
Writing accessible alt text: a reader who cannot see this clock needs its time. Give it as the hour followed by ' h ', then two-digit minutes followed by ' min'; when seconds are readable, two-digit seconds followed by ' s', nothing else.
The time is 1 h 45 min 31 s
